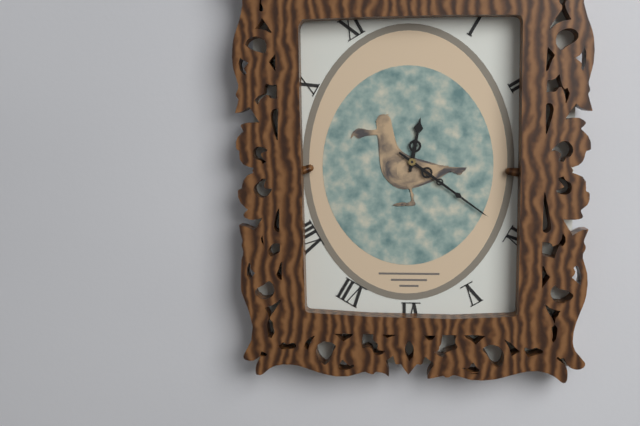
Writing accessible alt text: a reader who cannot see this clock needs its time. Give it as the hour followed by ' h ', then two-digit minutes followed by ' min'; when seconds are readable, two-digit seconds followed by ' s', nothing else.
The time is 12 h 21 min
